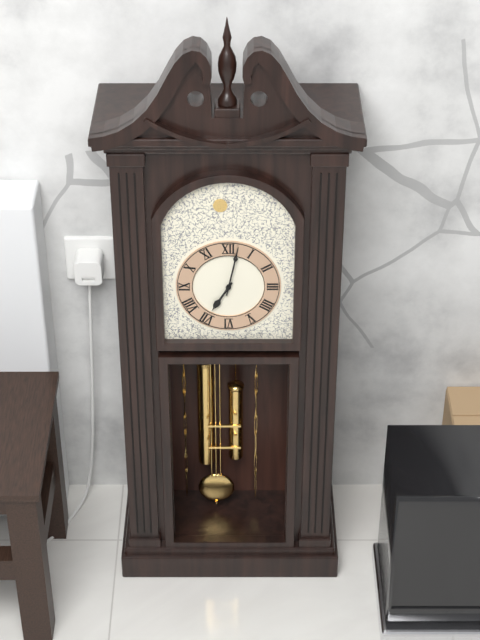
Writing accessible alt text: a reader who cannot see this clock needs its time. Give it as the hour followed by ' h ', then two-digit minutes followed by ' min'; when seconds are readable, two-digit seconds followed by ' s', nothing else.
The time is 7 h 02 min
